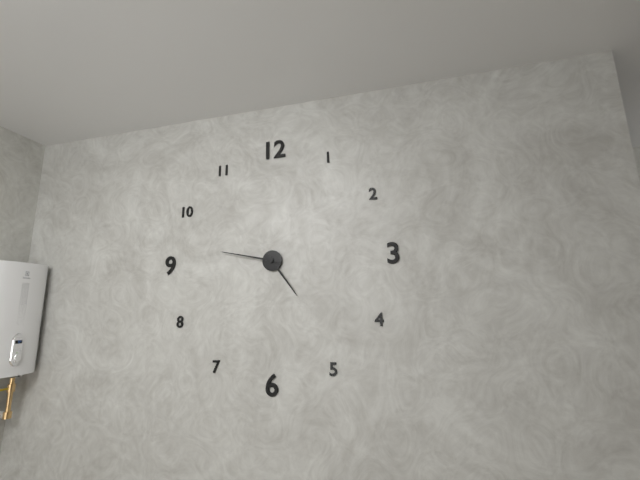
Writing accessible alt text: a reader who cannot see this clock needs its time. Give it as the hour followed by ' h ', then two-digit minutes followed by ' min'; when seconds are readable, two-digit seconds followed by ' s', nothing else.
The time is 4 h 47 min
